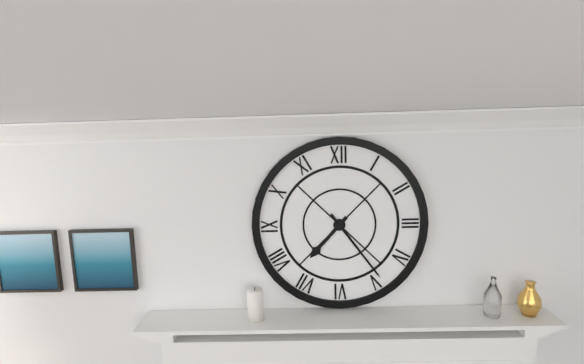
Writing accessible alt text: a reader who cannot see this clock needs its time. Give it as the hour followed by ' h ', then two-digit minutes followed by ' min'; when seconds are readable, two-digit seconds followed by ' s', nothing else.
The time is 7 h 24 min
